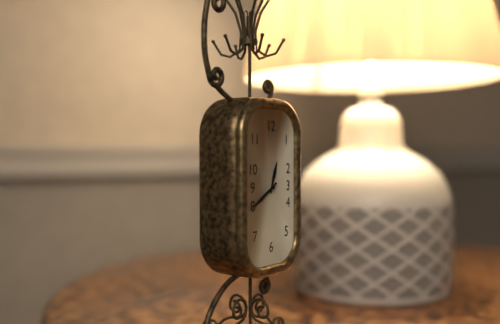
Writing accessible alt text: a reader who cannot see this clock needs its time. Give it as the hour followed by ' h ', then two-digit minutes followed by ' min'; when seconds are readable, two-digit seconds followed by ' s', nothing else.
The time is 12 h 40 min
